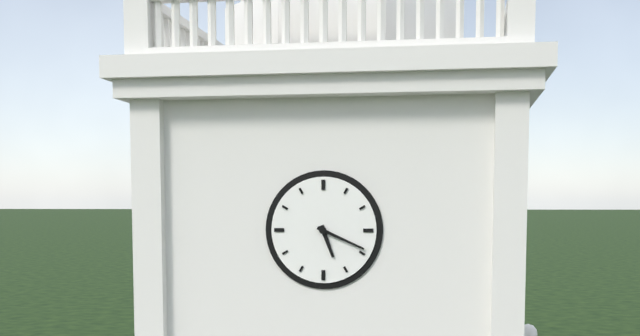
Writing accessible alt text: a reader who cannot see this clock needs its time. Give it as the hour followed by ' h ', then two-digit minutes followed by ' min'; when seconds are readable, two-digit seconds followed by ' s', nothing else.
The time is 5 h 19 min
